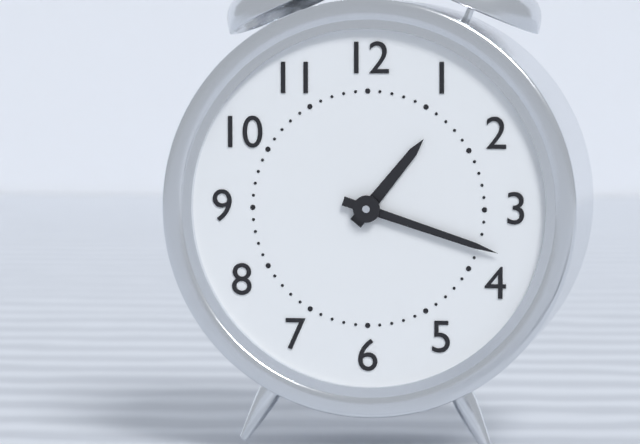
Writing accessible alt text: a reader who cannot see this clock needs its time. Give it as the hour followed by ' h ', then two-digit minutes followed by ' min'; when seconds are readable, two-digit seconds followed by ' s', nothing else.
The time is 1 h 18 min
